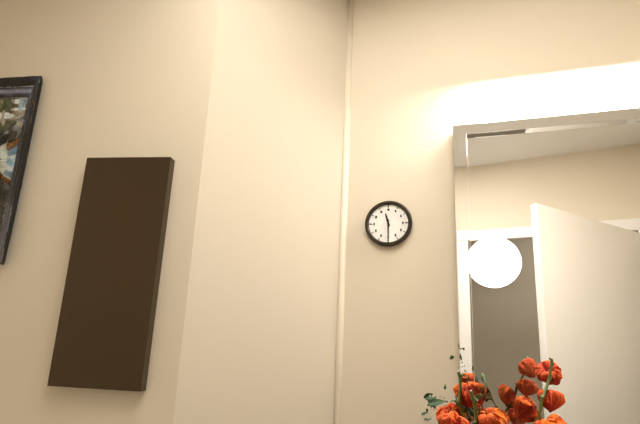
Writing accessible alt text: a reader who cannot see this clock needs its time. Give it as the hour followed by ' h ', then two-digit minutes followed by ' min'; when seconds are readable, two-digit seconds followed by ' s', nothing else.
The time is 11 h 30 min
